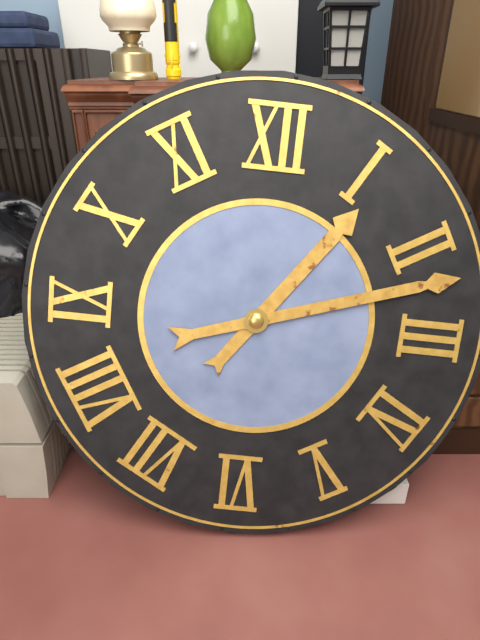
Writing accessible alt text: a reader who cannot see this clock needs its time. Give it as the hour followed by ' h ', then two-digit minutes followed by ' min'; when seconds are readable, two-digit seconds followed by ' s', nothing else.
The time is 1 h 12 min
